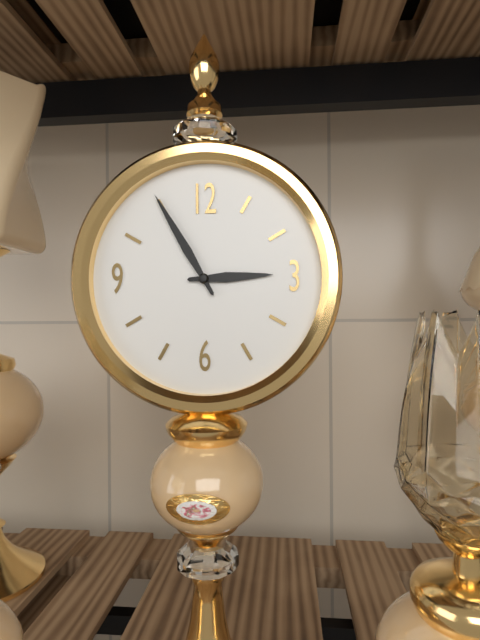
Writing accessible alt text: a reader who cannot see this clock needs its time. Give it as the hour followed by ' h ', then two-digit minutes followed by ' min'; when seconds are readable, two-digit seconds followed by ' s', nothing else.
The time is 2 h 55 min
